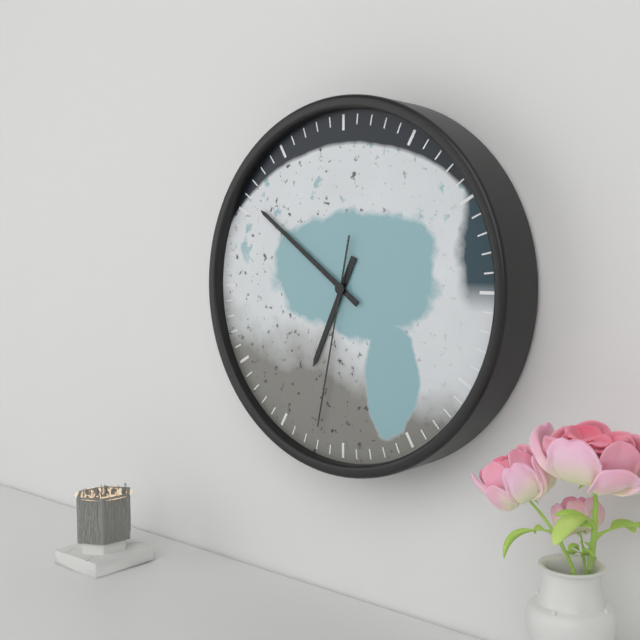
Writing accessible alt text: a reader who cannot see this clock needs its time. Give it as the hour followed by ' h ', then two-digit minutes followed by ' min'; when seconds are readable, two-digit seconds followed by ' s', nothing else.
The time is 6 h 51 min 32 s
